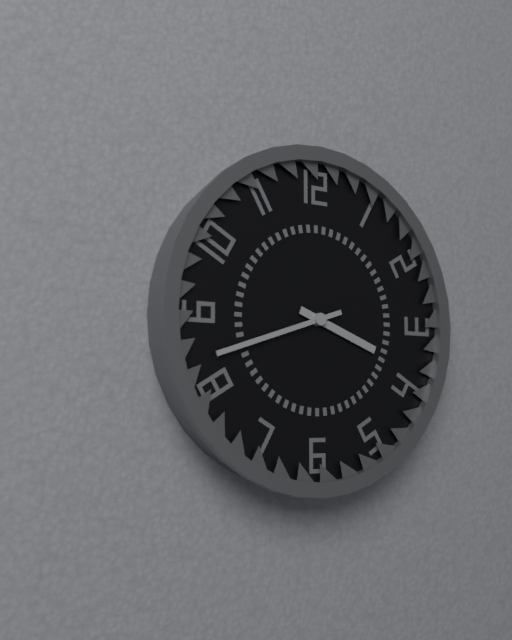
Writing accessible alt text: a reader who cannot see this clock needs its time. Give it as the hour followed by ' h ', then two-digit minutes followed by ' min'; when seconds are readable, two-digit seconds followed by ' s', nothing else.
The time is 3 h 42 min
